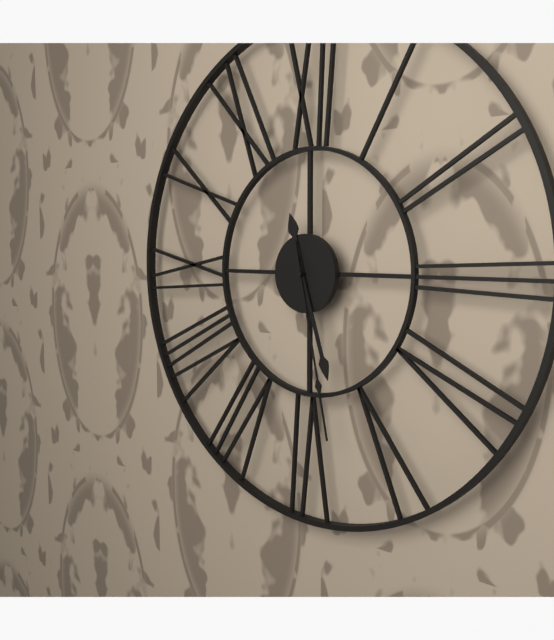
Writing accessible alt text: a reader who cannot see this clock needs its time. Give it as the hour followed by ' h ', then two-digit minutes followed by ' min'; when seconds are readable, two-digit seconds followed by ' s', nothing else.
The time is 11 h 27 min 28 s
